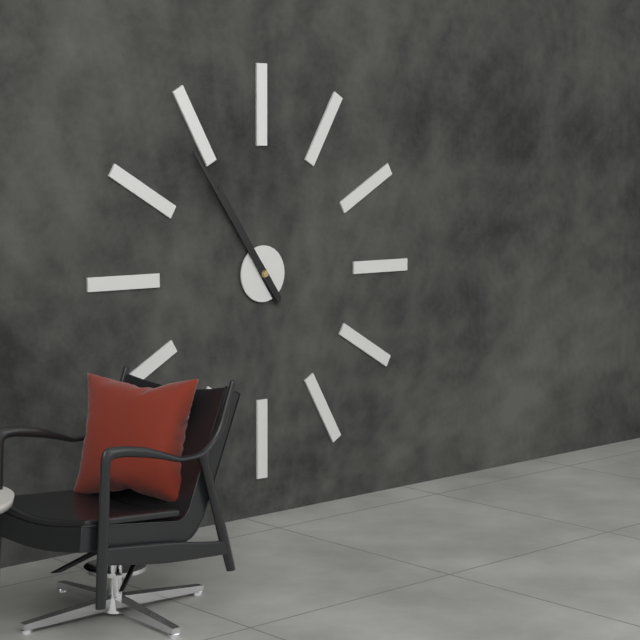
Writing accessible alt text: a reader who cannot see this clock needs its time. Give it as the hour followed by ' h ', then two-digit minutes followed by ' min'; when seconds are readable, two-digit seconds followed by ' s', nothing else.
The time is 10 h 54 min
